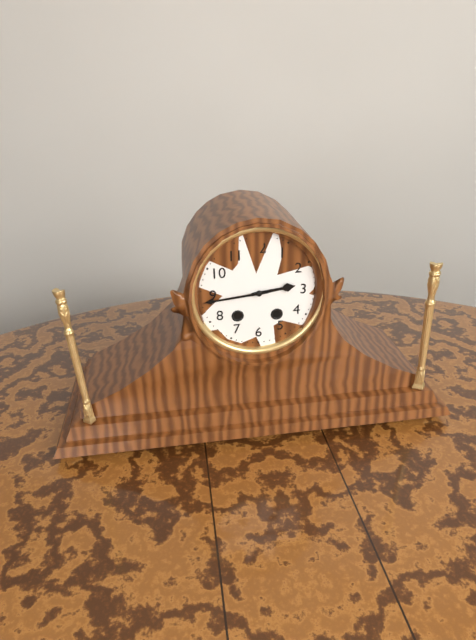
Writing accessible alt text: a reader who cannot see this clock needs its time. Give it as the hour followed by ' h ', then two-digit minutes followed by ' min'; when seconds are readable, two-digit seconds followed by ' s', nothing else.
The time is 2 h 44 min
